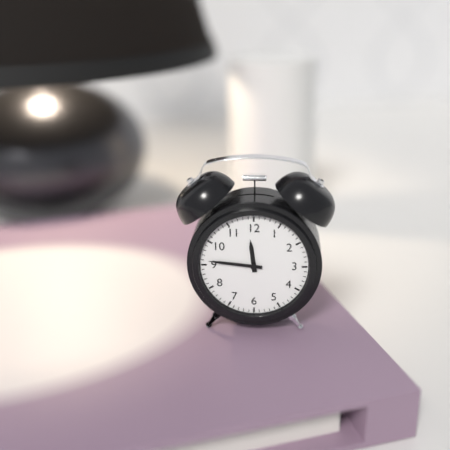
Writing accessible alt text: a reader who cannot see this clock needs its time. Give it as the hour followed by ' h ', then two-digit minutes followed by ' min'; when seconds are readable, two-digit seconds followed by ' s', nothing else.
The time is 11 h 46 min
